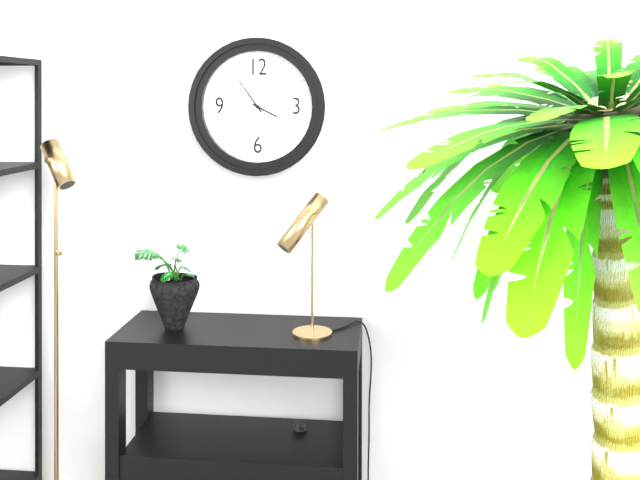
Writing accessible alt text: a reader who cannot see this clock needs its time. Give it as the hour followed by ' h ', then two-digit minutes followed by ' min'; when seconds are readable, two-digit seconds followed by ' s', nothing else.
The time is 3 h 54 min
